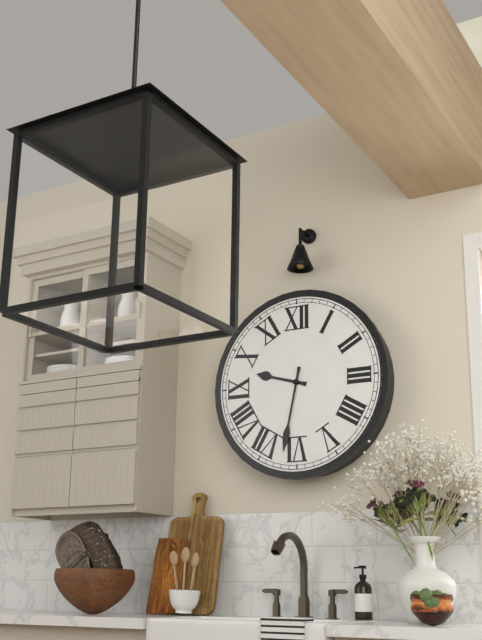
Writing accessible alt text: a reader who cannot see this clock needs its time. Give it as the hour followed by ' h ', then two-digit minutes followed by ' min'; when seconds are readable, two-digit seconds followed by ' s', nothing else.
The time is 9 h 32 min
